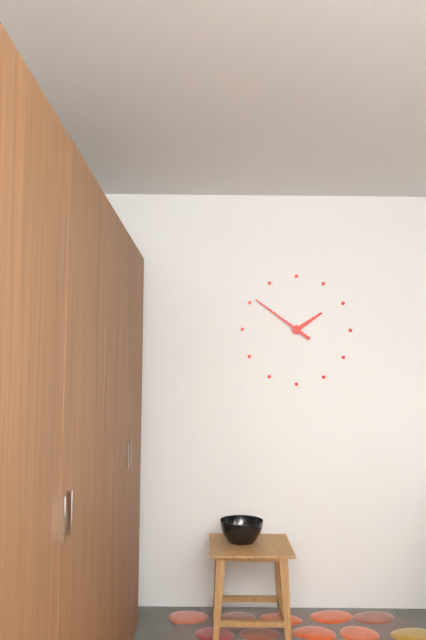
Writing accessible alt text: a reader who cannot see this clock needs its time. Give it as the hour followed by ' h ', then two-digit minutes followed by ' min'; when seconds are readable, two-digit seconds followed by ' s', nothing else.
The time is 1 h 51 min
